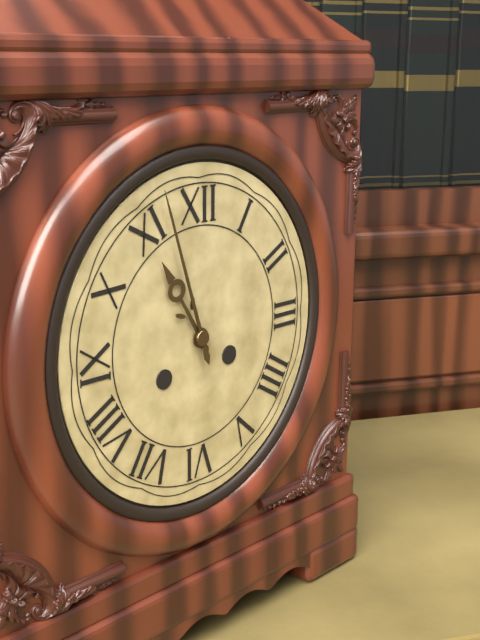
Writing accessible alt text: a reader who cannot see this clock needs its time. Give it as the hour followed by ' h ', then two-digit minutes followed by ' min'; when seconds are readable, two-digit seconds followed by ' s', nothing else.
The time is 10 h 57 min
